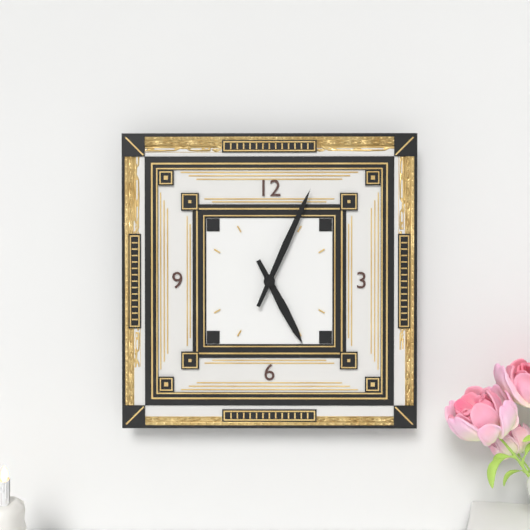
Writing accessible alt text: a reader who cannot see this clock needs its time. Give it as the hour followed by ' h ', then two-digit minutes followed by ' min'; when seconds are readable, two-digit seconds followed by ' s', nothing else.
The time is 5 h 04 min
